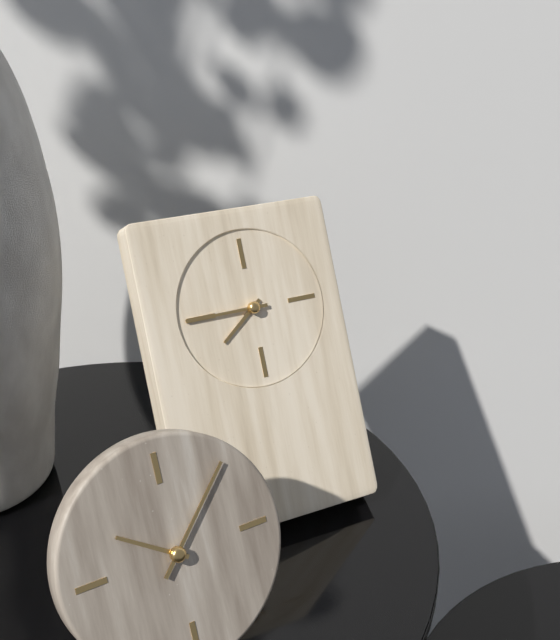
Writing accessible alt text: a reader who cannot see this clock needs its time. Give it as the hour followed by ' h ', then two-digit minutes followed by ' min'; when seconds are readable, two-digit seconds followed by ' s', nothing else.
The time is 7 h 45 min
